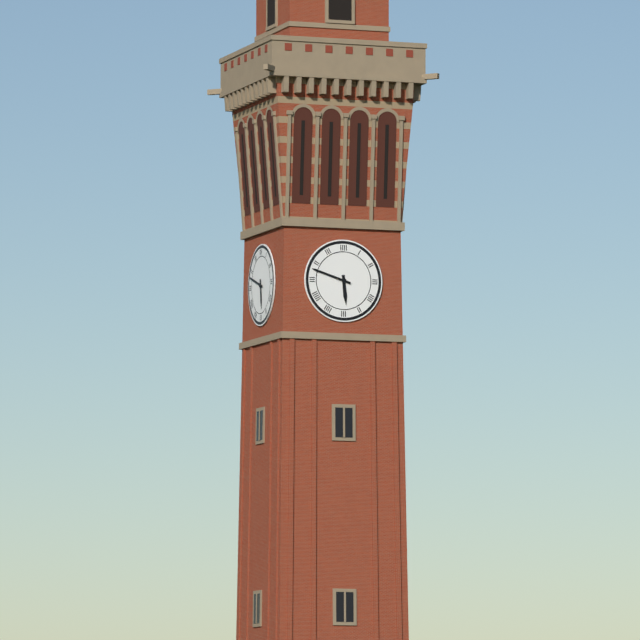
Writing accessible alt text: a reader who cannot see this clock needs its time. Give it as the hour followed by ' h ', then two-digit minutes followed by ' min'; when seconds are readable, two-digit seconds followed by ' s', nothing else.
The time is 5 h 48 min
